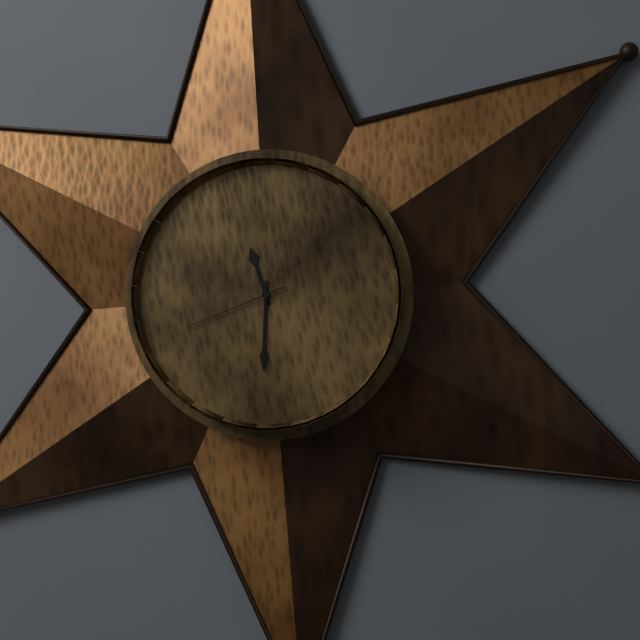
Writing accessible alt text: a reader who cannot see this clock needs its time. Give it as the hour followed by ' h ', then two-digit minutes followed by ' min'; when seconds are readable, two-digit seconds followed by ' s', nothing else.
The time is 11 h 31 min 42 s
